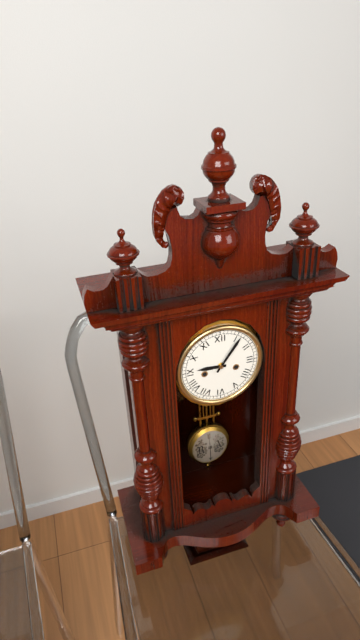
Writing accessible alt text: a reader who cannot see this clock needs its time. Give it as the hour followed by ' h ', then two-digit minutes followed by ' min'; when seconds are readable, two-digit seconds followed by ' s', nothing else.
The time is 9 h 06 min
